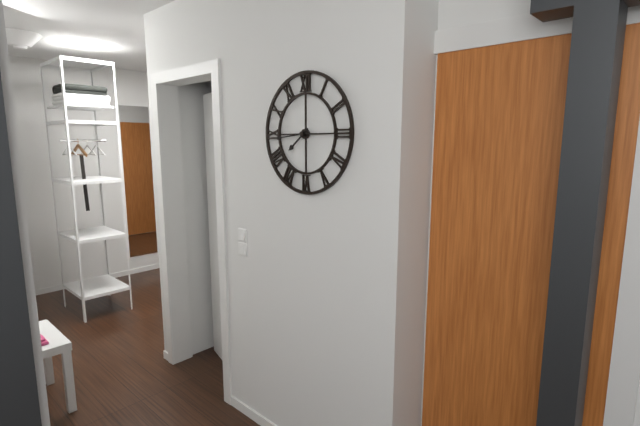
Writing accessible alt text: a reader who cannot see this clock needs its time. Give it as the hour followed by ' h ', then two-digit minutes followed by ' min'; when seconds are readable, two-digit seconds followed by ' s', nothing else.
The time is 7 h 44 min
